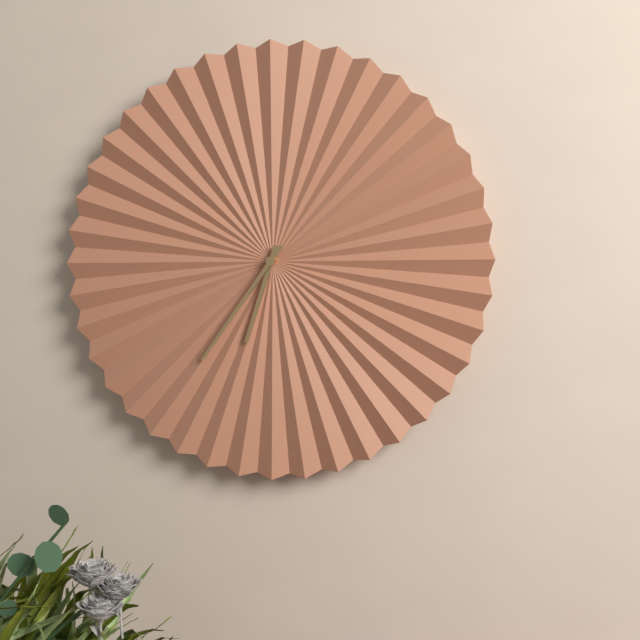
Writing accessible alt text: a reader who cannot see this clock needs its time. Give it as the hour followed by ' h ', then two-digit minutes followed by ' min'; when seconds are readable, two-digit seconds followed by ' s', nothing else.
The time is 6 h 36 min
